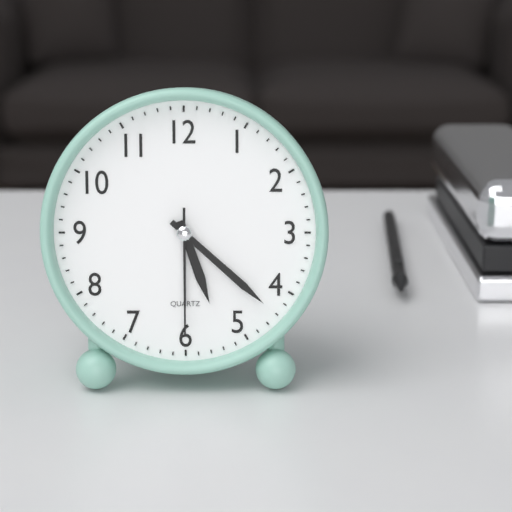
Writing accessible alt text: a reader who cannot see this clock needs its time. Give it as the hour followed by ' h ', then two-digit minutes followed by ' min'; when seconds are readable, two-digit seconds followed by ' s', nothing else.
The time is 5 h 22 min 30 s
